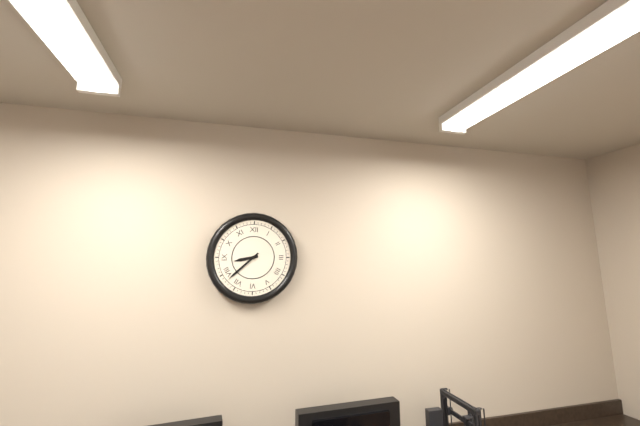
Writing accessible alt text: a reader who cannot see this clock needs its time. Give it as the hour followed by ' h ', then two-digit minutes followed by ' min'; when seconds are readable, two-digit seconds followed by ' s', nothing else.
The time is 8 h 38 min
